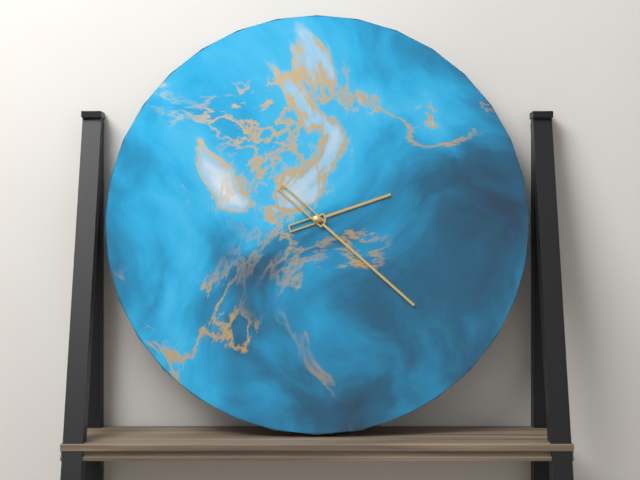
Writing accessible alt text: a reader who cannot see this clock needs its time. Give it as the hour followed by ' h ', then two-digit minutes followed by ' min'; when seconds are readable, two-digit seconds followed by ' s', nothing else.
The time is 2 h 22 min
